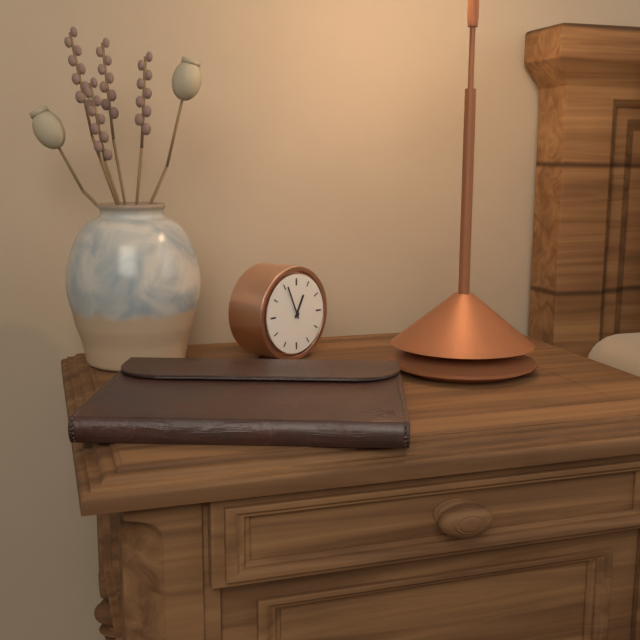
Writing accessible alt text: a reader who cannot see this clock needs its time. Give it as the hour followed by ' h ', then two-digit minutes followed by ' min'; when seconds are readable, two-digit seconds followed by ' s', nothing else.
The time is 12 h 56 min
